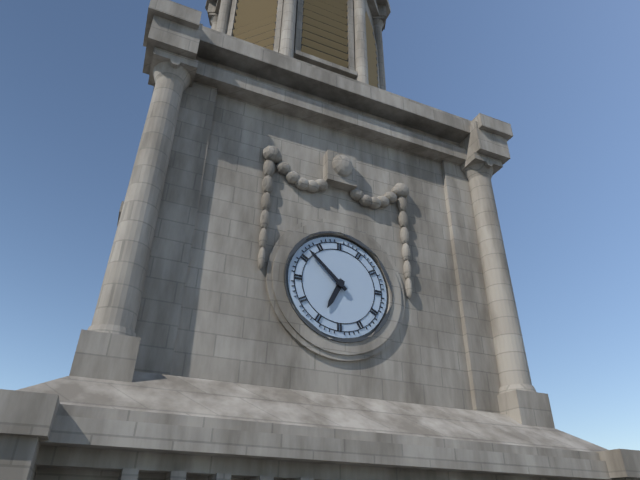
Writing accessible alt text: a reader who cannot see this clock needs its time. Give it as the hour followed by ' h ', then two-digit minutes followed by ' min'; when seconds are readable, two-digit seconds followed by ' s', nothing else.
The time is 6 h 52 min
